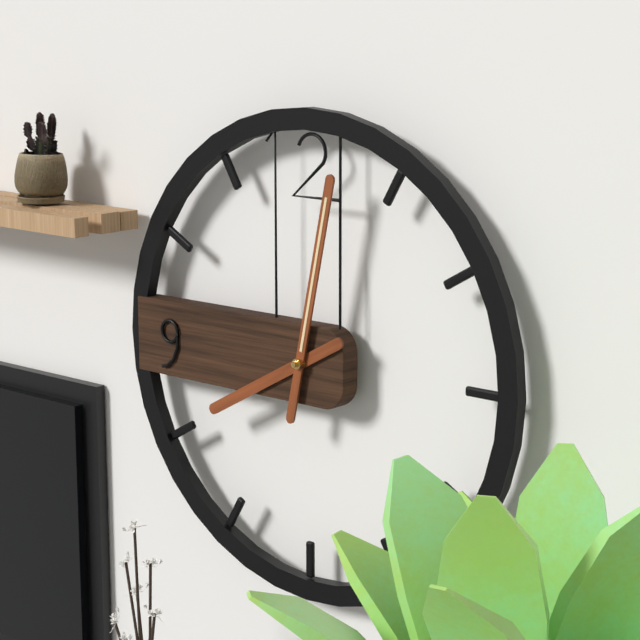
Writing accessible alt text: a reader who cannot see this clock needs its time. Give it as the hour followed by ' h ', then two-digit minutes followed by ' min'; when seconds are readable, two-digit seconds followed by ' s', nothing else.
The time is 8 h 02 min
